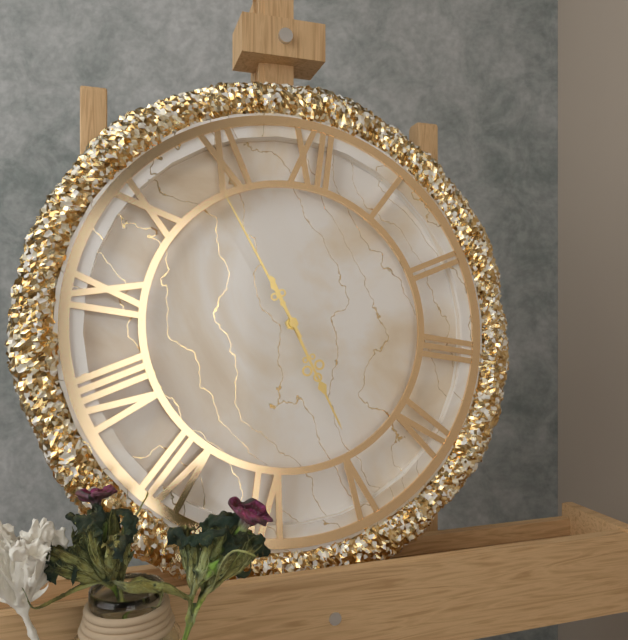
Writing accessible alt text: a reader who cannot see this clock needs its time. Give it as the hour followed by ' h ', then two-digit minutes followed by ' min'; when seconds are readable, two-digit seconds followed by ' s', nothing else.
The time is 4 h 54 min
